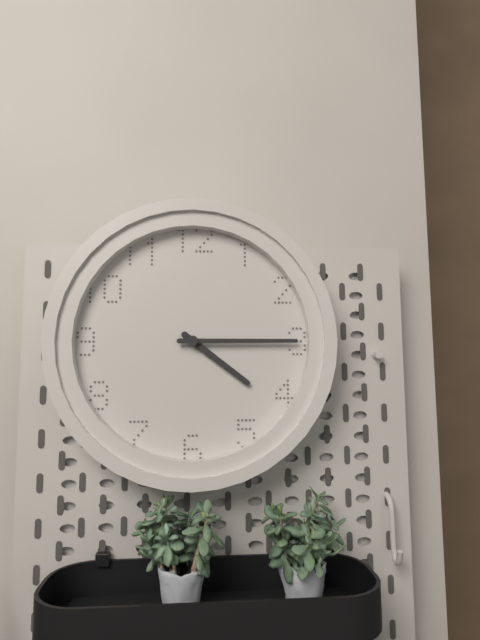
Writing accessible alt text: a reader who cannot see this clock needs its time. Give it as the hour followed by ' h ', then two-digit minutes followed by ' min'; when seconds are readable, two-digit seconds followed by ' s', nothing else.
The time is 4 h 15 min
